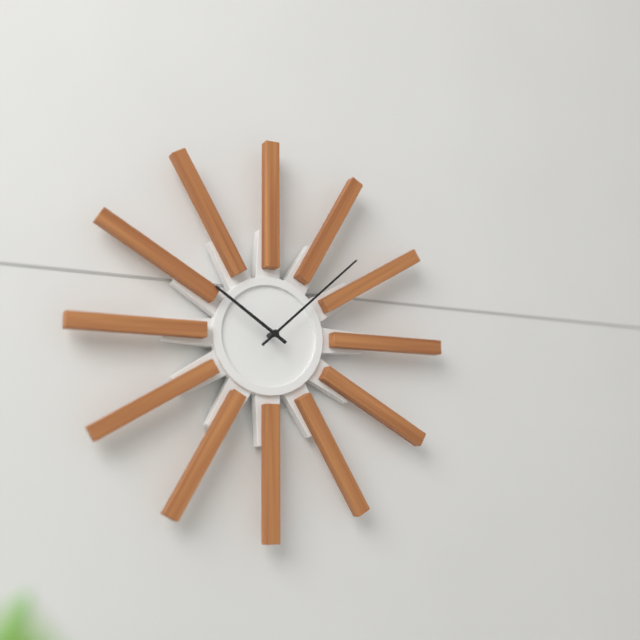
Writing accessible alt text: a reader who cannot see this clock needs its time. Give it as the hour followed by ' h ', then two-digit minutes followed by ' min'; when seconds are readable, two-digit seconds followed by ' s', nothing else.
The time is 10 h 08 min
